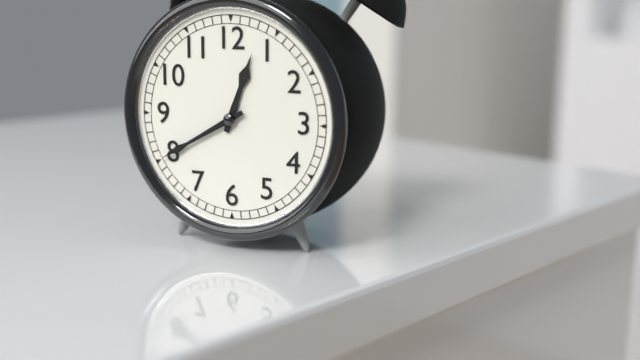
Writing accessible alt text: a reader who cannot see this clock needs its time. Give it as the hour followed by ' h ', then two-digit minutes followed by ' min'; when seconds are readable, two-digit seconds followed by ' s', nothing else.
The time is 12 h 40 min
